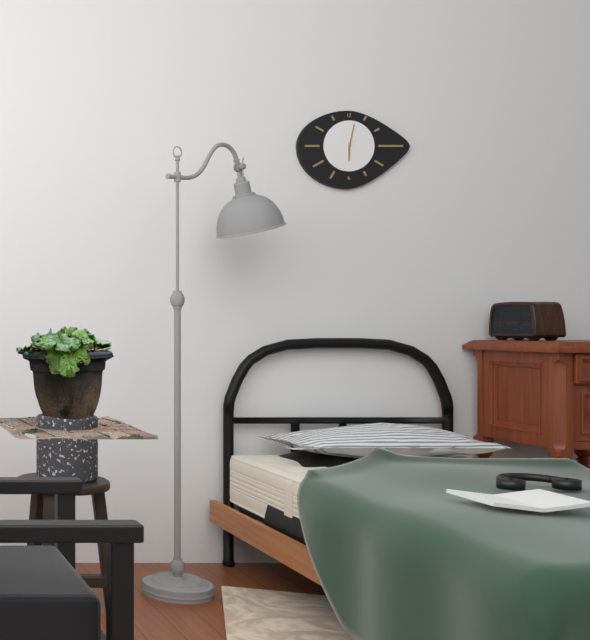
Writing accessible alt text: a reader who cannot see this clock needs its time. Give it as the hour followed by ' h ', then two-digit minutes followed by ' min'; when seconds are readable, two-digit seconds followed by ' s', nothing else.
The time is 6 h 02 min
